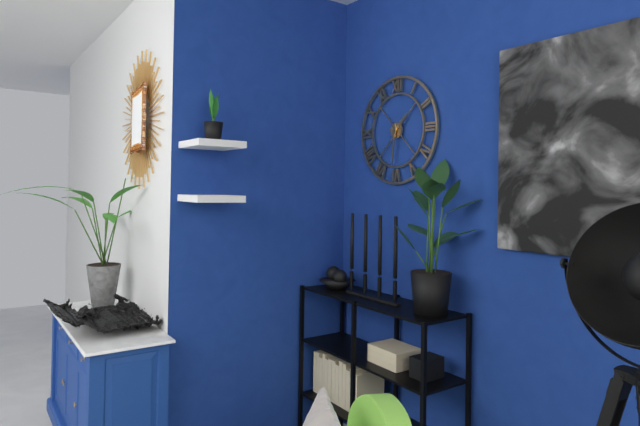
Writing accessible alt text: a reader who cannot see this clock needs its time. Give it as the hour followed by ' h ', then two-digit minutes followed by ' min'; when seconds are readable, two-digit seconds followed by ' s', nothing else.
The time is 1 h 31 min
